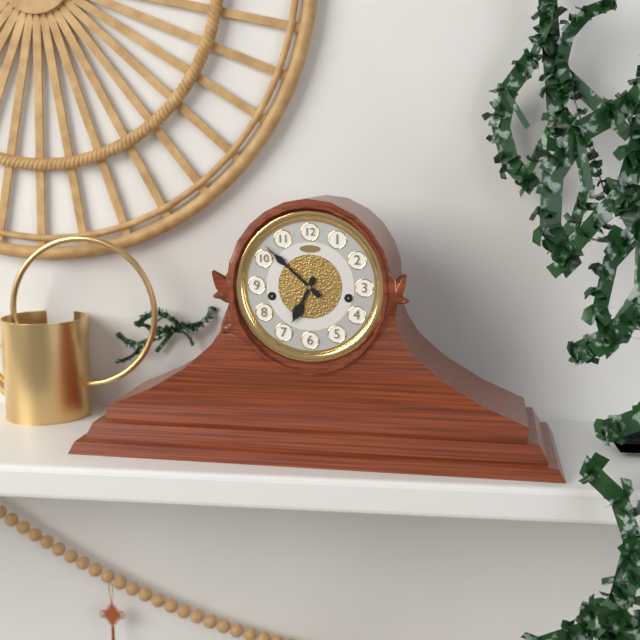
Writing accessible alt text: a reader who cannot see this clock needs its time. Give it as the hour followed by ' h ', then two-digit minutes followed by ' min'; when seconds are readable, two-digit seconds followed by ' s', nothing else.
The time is 6 h 52 min
